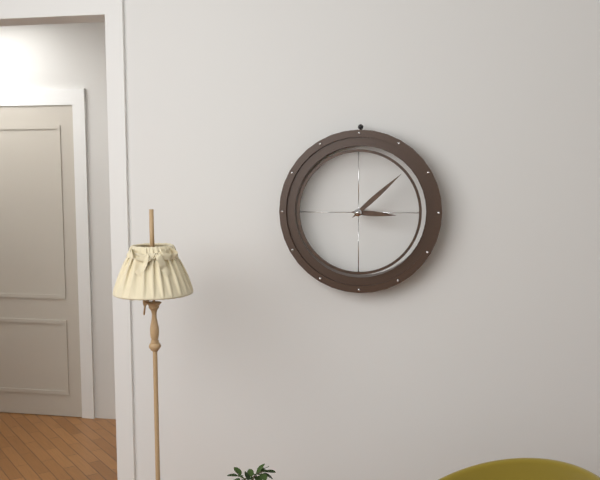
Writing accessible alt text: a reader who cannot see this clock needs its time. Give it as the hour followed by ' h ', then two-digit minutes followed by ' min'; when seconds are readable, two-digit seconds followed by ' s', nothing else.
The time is 3 h 08 min
